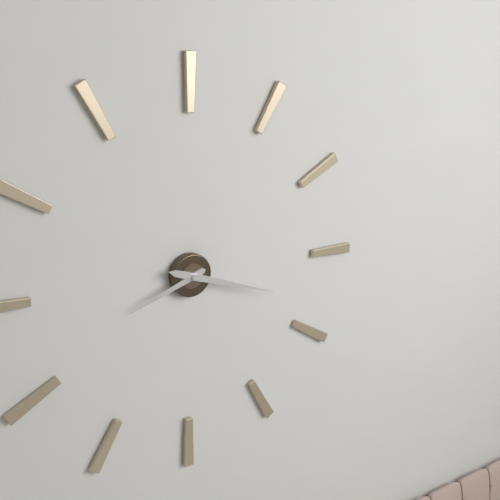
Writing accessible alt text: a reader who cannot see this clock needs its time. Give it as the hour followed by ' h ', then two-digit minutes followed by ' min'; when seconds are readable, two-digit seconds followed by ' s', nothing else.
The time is 8 h 18 min
